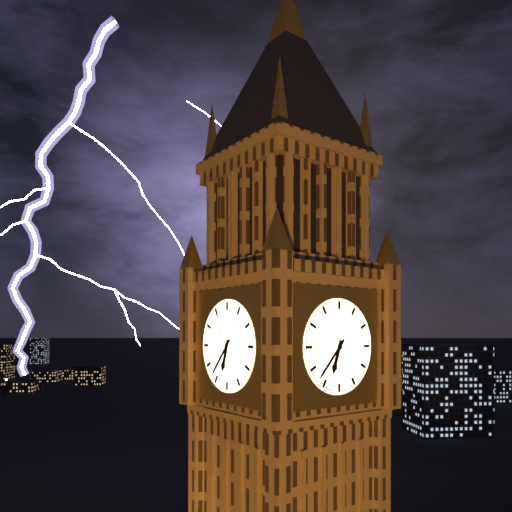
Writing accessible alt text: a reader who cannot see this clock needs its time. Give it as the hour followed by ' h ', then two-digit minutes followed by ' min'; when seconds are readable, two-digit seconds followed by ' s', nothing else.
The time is 6 h 37 min
